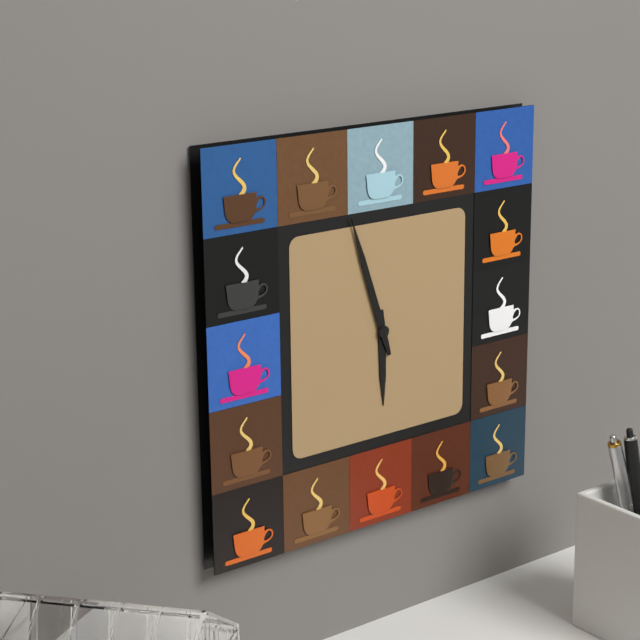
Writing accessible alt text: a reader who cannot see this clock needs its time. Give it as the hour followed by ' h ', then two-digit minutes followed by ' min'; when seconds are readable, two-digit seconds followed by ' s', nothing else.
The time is 5 h 57 min
